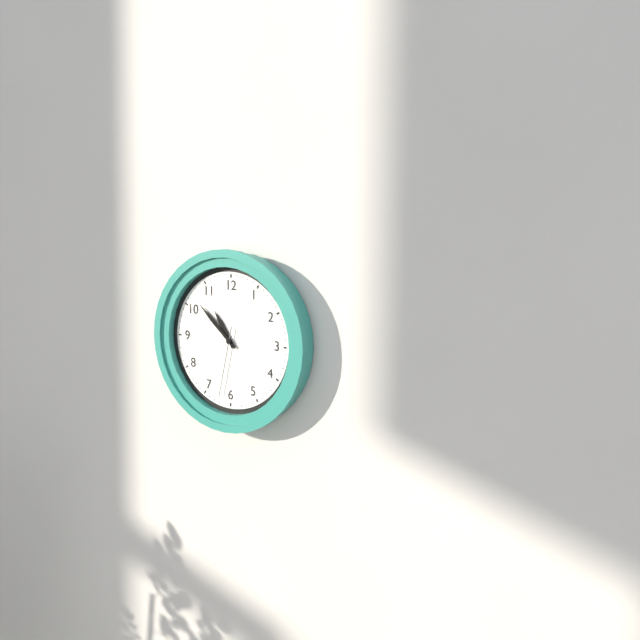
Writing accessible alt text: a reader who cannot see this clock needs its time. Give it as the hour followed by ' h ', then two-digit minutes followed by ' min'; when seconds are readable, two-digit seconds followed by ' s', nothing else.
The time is 10 h 52 min 32 s
